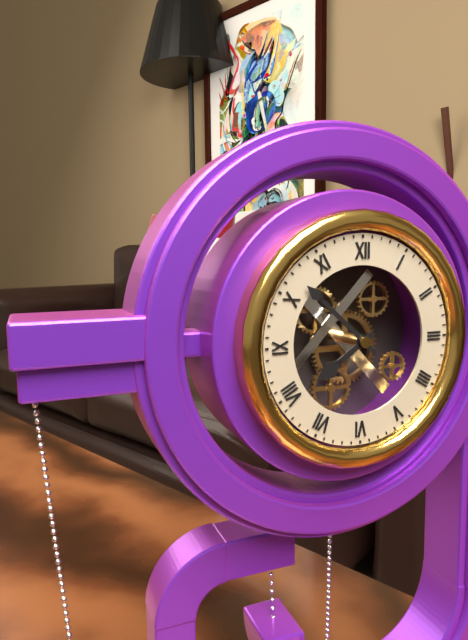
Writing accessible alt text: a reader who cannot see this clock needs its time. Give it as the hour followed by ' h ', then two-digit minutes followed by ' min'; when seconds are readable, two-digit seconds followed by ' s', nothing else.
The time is 7 h 52 min
